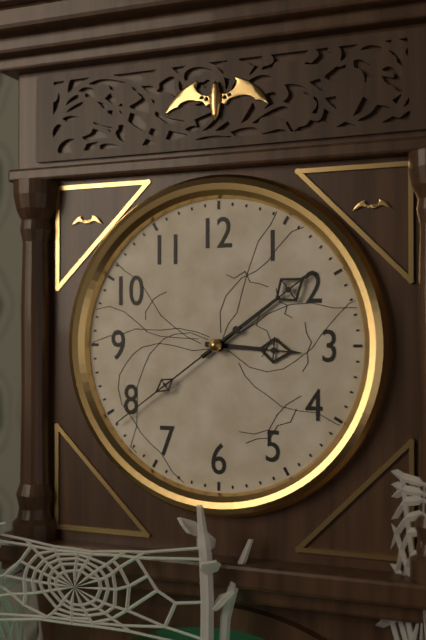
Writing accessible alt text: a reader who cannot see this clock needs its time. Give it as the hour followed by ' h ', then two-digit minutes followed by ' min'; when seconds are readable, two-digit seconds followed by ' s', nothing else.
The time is 3 h 09 min 39 s
